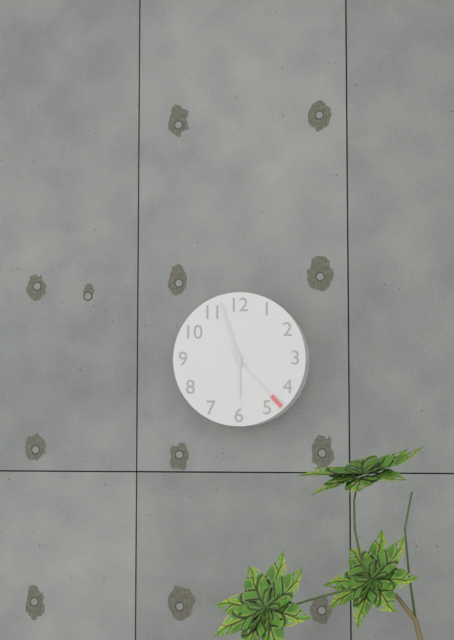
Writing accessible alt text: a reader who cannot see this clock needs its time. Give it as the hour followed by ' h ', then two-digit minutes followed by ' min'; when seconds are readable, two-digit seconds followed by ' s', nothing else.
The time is 5 h 57 min 23 s
